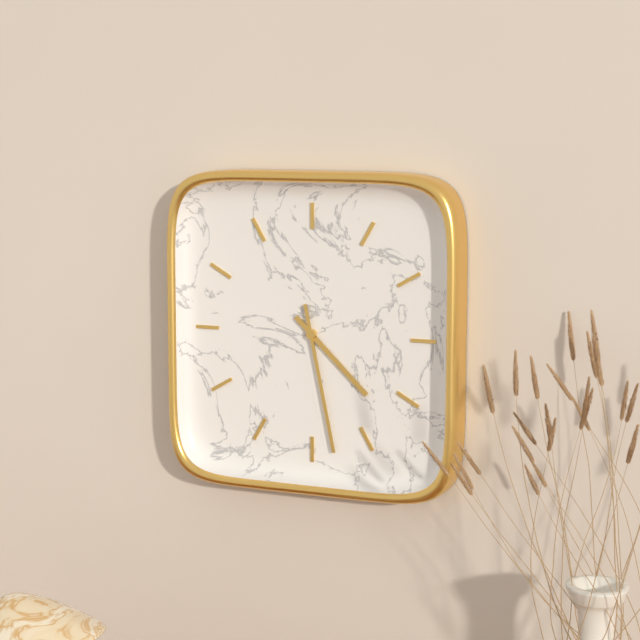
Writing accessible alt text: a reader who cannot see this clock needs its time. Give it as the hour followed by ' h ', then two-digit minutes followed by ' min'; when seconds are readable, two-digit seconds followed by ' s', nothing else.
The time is 4 h 28 min
